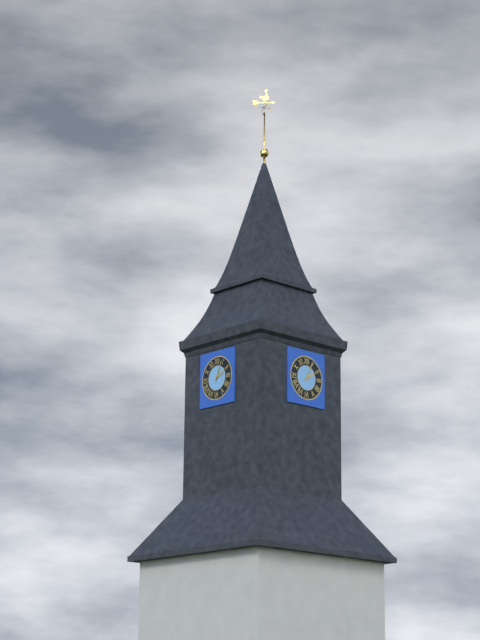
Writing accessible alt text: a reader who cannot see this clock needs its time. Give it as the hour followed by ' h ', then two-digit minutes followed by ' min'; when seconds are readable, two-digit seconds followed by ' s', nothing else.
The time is 2 h 04 min
